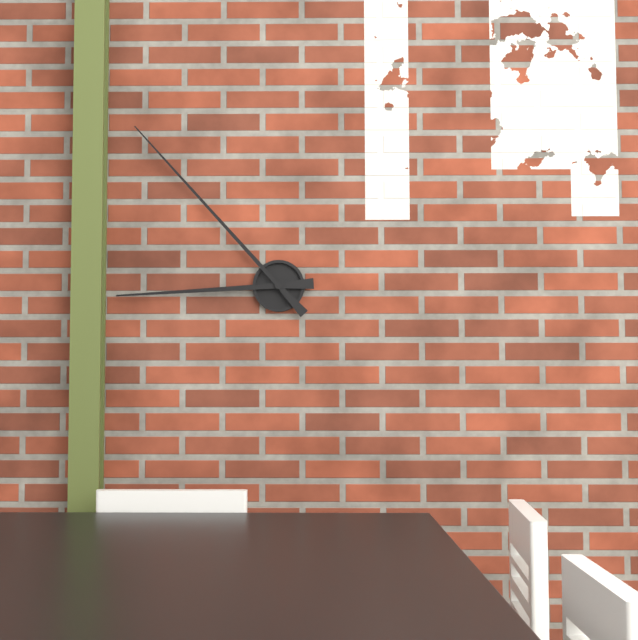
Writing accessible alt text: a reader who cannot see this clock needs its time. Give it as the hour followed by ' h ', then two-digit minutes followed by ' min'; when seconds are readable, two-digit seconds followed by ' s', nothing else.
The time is 8 h 53 min
